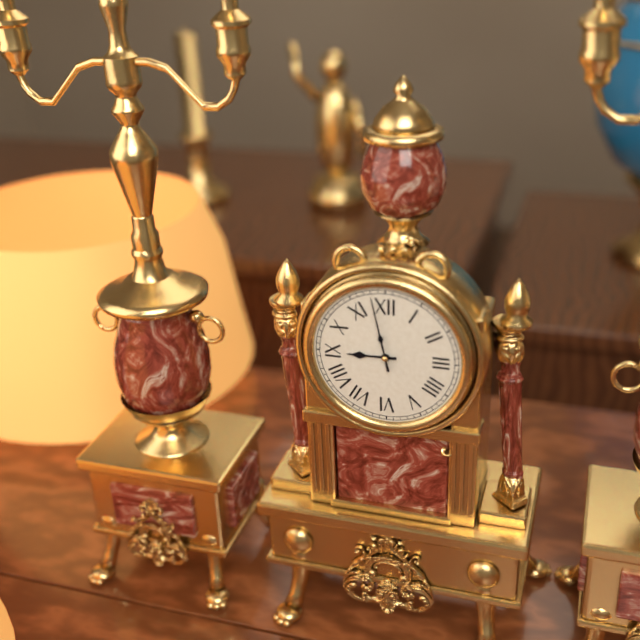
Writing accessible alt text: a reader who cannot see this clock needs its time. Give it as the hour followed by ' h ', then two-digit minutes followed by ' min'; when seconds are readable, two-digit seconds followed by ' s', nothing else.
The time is 8 h 58 min
